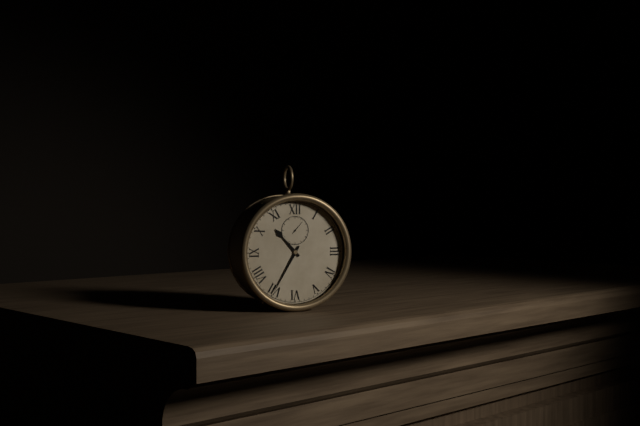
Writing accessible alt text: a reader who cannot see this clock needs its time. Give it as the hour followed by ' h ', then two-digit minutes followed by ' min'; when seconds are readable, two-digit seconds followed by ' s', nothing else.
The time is 10 h 35 min
